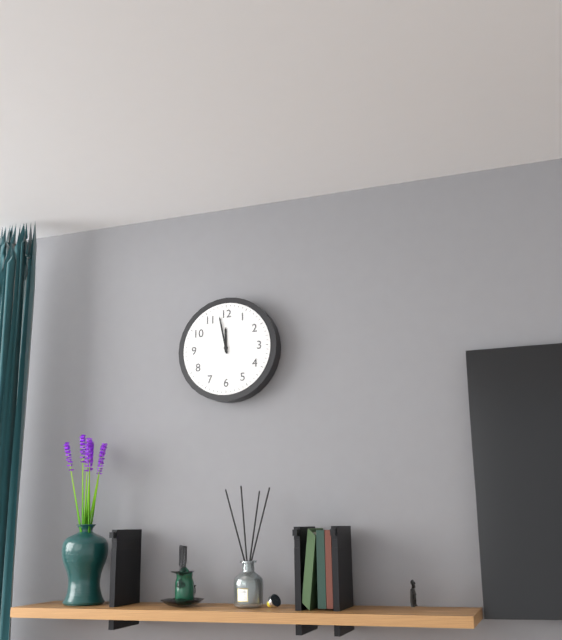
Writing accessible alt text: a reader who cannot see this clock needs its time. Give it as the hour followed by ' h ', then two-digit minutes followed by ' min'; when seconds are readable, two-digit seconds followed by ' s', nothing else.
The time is 11 h 58 min
